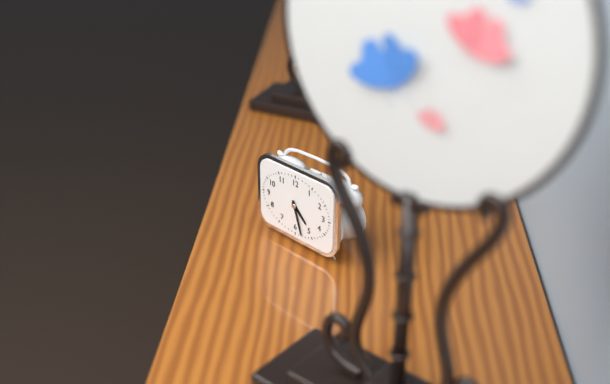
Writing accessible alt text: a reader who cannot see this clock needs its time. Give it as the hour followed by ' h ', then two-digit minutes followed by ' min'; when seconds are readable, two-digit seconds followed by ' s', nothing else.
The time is 4 h 27 min
